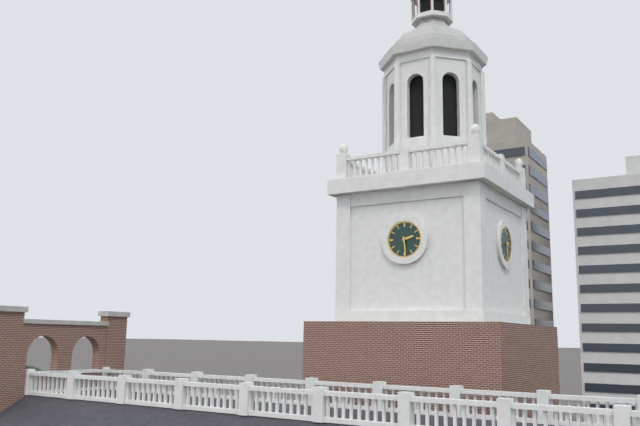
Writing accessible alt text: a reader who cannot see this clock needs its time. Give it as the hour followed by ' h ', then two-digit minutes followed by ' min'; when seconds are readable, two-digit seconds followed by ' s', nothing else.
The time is 2 h 29 min
